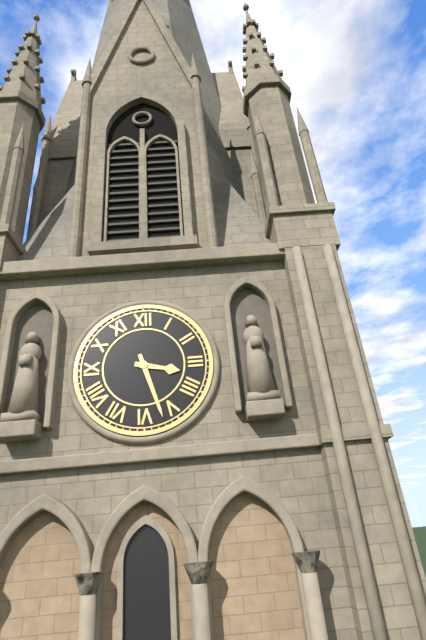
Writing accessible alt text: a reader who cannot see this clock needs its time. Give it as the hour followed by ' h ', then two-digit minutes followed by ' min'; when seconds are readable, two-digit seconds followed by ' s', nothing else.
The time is 3 h 27 min
